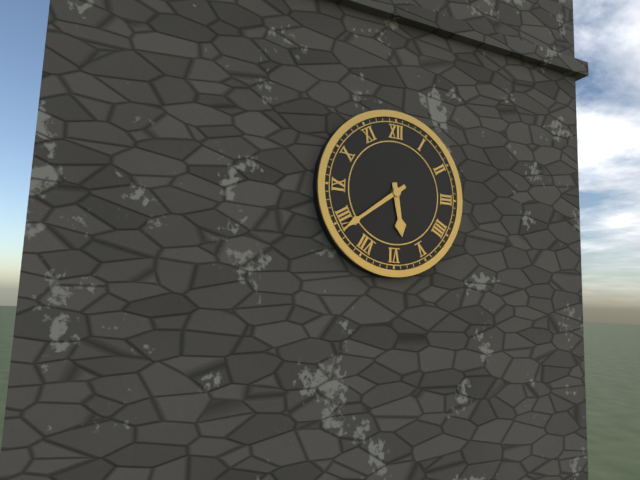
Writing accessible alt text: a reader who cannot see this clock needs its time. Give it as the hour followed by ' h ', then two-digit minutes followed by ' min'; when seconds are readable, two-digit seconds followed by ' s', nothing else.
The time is 5 h 39 min
